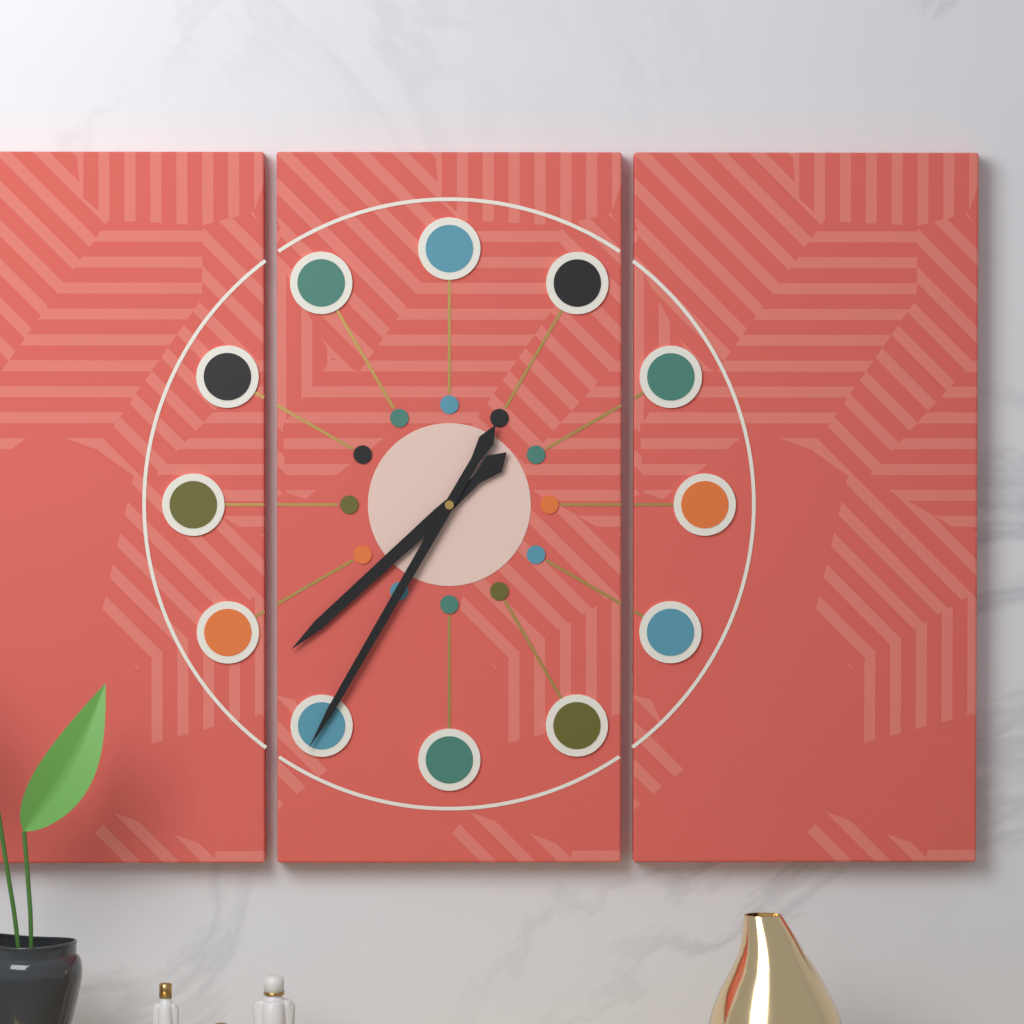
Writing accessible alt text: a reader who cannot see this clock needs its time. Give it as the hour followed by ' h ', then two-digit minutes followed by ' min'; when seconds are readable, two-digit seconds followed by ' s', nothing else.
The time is 7 h 35 min
